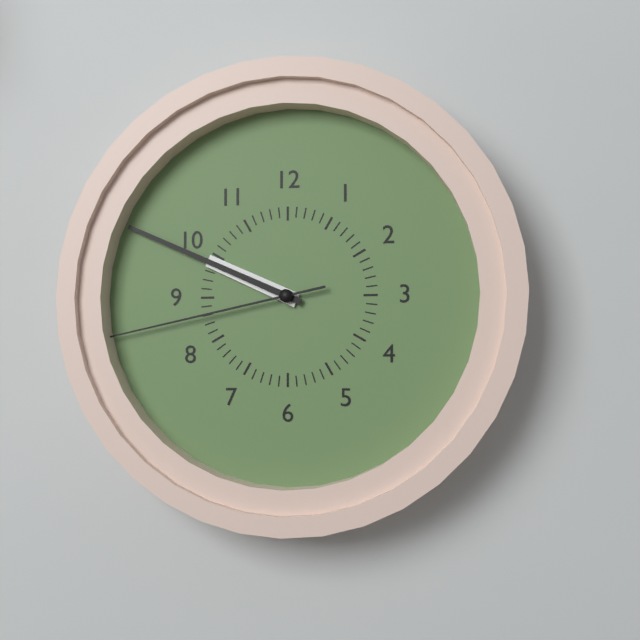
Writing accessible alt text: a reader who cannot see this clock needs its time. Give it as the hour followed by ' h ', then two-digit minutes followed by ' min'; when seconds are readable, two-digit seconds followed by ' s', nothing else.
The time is 9 h 49 min 43 s
